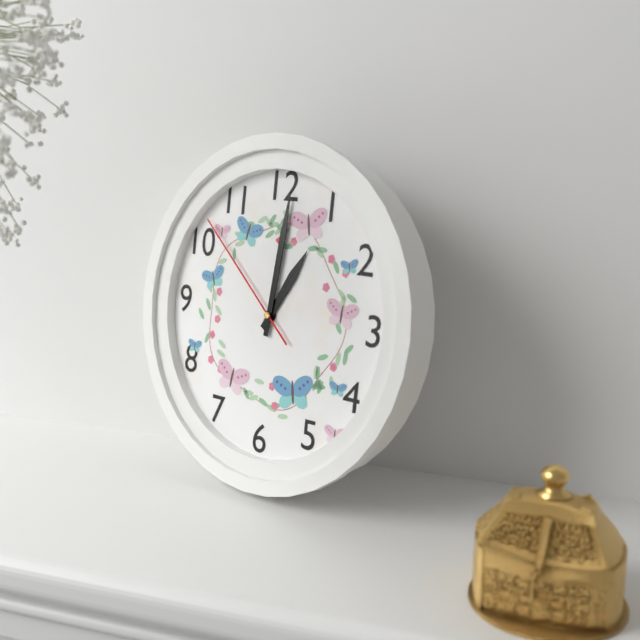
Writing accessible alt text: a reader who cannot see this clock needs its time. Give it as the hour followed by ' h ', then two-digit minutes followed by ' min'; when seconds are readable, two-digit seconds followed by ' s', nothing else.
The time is 1 h 01 min 52 s
